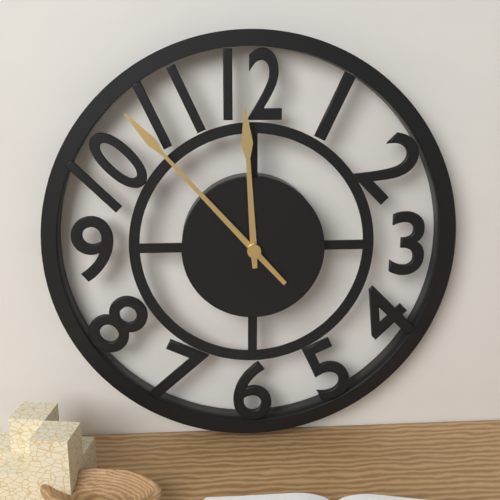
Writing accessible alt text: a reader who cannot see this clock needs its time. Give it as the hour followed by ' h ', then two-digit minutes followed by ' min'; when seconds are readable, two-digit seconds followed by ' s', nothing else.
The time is 11 h 53 min
